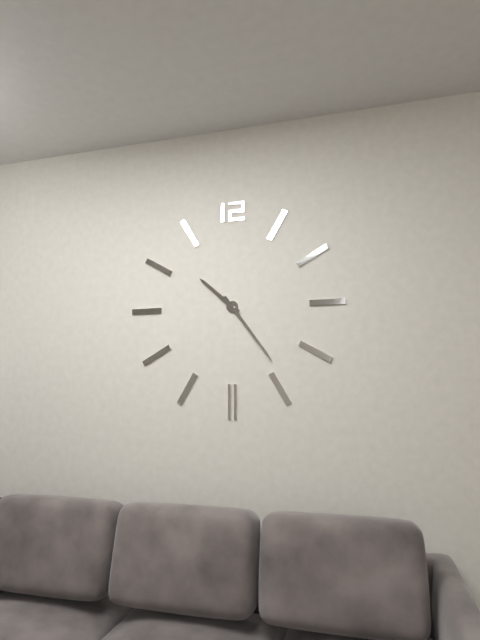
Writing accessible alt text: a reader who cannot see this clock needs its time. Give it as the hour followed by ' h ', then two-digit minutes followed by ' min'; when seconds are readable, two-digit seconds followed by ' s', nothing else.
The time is 10 h 24 min
